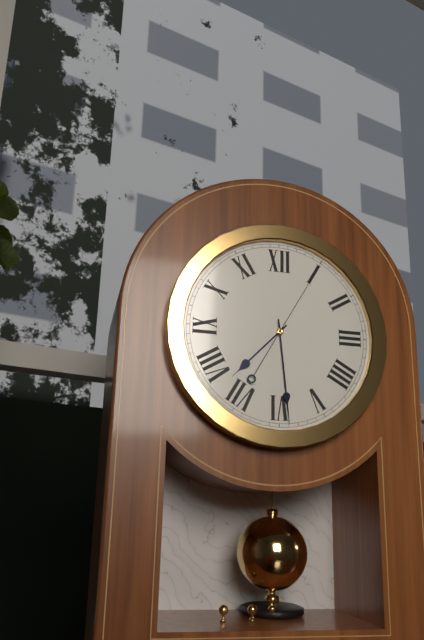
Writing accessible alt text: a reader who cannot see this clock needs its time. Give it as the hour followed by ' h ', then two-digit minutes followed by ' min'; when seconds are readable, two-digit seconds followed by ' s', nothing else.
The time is 7 h 29 min 05 s
